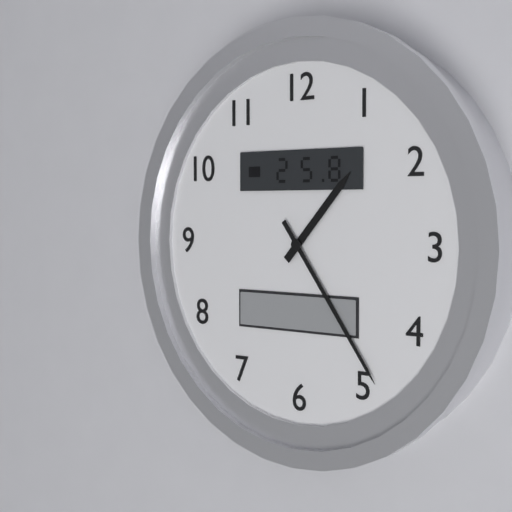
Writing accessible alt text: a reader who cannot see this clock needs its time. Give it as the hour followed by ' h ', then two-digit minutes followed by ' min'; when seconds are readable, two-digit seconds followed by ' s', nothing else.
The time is 1 h 24 min
